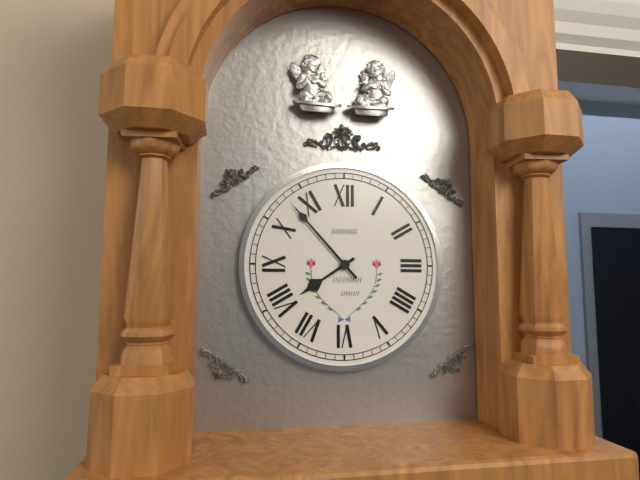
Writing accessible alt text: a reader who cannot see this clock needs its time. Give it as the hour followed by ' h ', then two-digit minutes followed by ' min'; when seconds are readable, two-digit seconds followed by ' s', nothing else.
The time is 7 h 53 min
